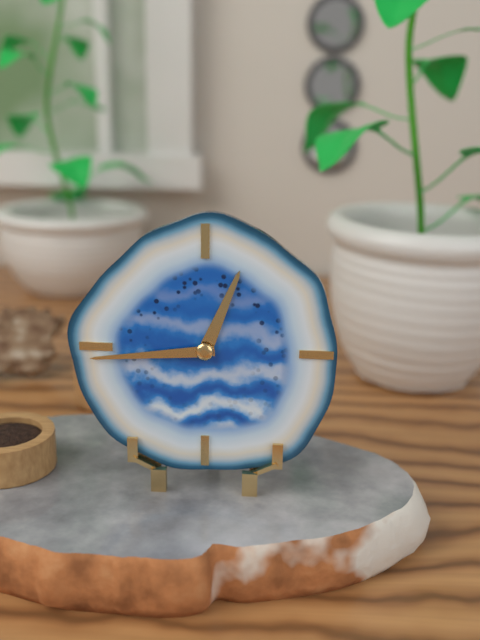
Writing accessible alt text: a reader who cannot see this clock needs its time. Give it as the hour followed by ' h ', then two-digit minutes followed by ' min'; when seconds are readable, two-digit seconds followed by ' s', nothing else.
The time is 12 h 44 min
